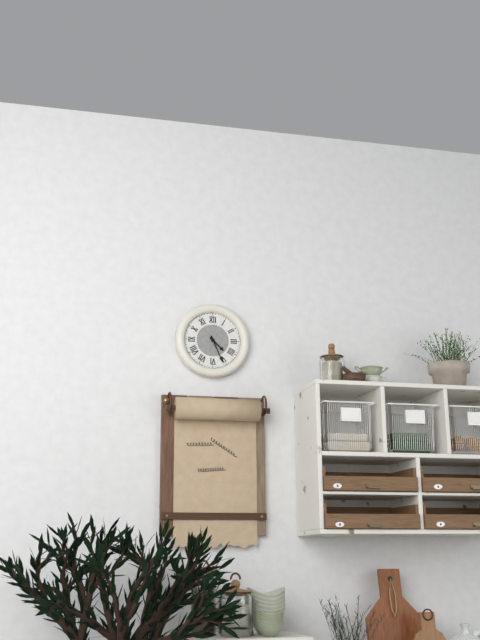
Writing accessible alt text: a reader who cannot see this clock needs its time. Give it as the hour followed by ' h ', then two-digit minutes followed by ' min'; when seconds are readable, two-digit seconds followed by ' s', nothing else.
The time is 4 h 26 min
